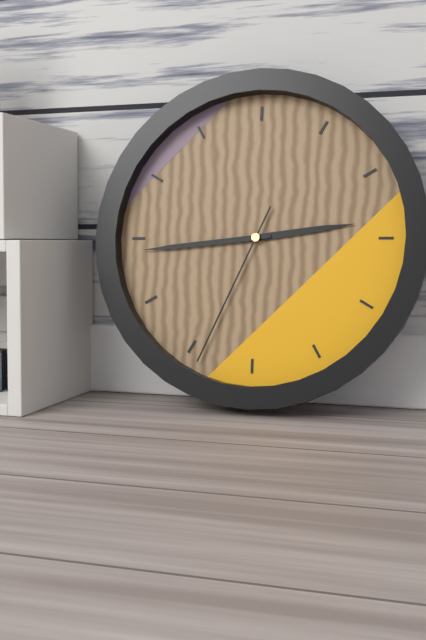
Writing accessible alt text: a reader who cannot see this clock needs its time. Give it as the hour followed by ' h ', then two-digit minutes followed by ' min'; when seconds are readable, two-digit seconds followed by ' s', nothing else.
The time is 2 h 44 min 34 s
